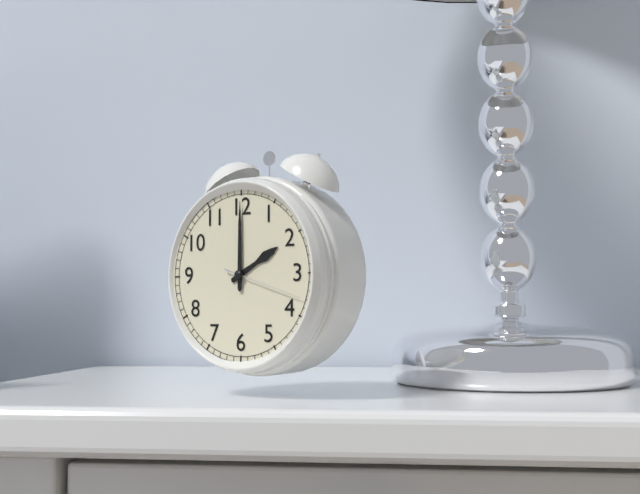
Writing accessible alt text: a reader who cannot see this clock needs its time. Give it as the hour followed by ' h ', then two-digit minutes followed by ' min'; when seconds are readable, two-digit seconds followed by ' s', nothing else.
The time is 2 h 00 min 18 s
